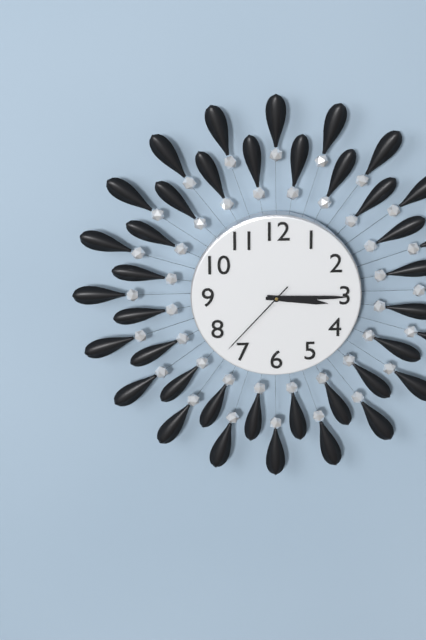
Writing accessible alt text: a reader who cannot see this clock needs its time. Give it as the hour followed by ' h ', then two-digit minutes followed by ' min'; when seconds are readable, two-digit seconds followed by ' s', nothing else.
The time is 3 h 15 min 37 s
